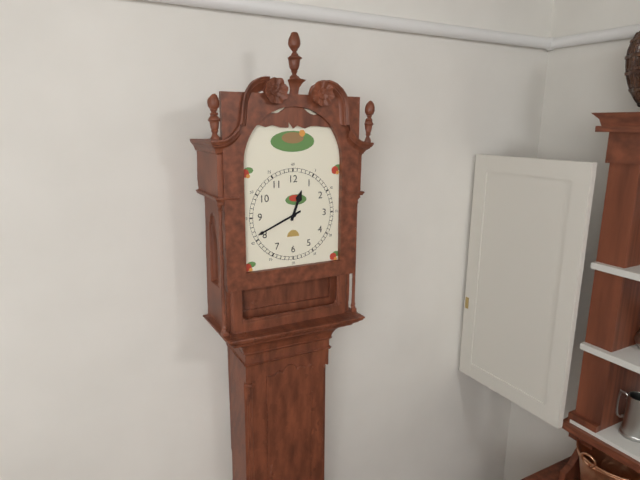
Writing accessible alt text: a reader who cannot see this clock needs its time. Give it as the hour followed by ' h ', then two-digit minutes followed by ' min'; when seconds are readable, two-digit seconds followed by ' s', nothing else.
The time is 12 h 41 min
